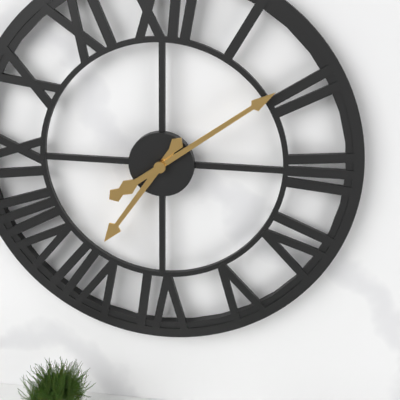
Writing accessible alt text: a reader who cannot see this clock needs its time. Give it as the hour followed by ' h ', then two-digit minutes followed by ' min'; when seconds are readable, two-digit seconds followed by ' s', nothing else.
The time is 7 h 09 min
